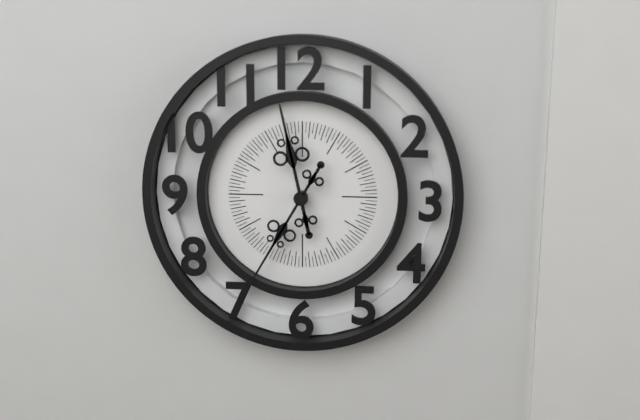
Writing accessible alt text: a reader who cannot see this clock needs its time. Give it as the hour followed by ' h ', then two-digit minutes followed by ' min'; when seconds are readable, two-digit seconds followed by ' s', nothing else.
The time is 11 h 35 min
